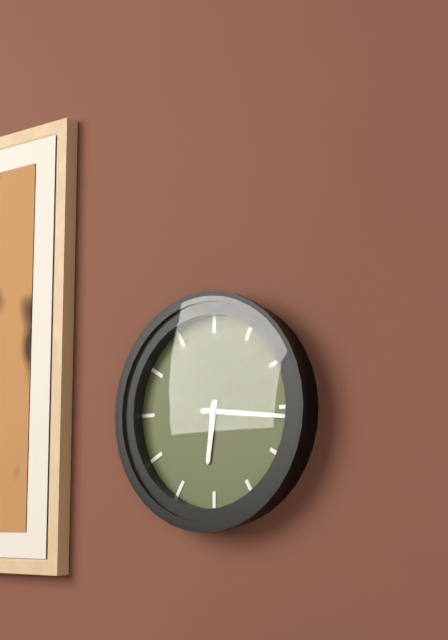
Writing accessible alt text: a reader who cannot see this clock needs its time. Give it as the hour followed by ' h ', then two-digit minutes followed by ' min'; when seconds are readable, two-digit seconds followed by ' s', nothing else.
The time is 6 h 16 min
